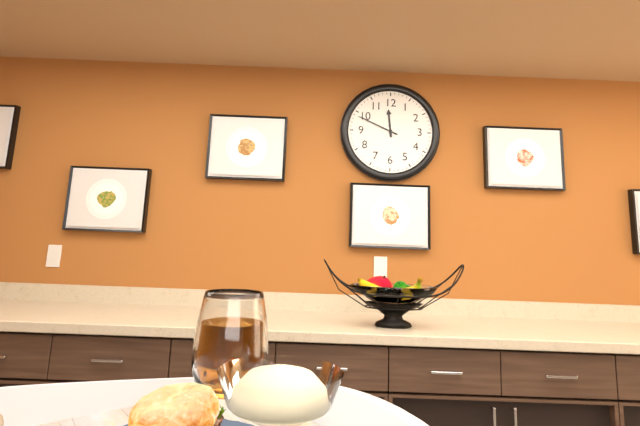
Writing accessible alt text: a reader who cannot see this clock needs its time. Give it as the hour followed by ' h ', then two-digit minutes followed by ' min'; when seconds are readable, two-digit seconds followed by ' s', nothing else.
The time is 11 h 49 min
